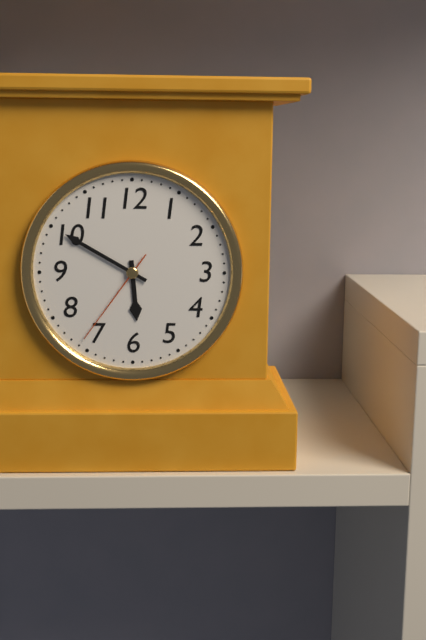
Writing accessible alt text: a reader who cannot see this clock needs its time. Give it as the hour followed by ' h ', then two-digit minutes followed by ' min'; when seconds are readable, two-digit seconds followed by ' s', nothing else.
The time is 5 h 50 min 36 s
